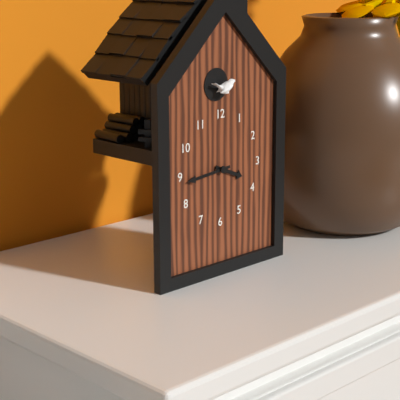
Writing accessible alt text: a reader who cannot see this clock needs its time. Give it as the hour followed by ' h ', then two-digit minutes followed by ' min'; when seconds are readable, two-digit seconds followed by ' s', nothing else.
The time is 3 h 44 min
